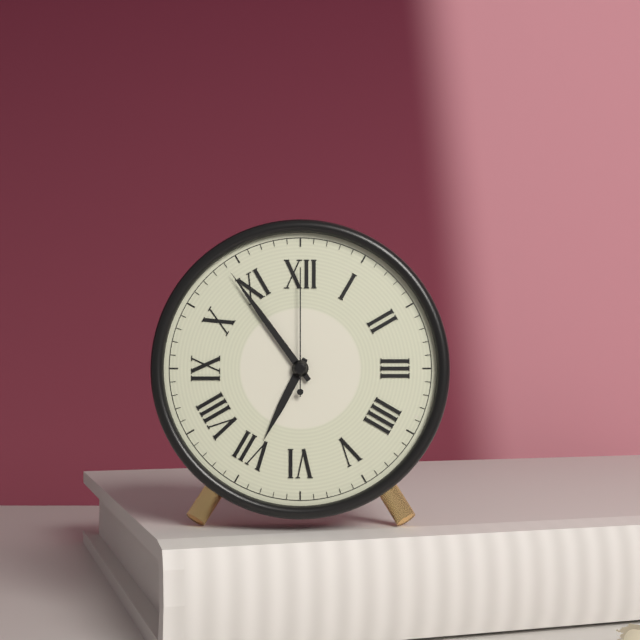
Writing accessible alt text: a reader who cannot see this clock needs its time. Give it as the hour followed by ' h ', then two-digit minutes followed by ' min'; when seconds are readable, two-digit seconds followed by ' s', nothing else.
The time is 6 h 54 min 00 s
